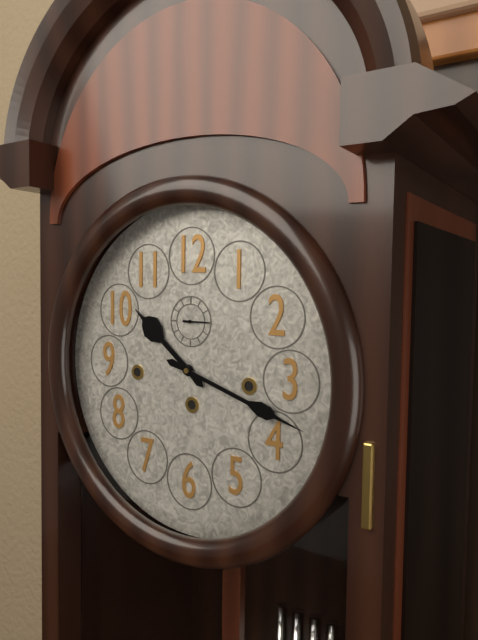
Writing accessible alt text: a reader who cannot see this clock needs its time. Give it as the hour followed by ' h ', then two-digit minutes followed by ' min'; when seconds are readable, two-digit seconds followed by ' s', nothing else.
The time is 10 h 18 min
